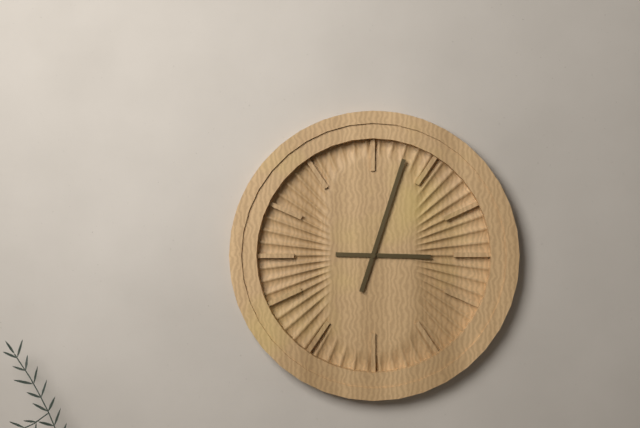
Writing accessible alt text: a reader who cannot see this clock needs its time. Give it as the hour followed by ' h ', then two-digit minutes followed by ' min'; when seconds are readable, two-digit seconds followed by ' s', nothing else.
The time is 3 h 03 min
